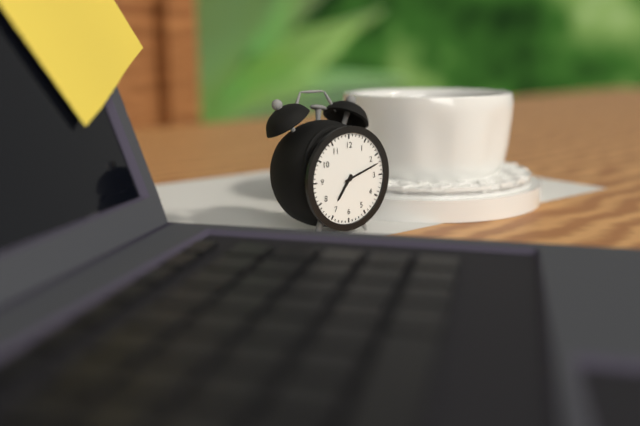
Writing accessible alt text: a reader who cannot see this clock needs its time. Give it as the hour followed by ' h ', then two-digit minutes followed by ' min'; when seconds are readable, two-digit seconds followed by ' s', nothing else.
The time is 7 h 12 min
